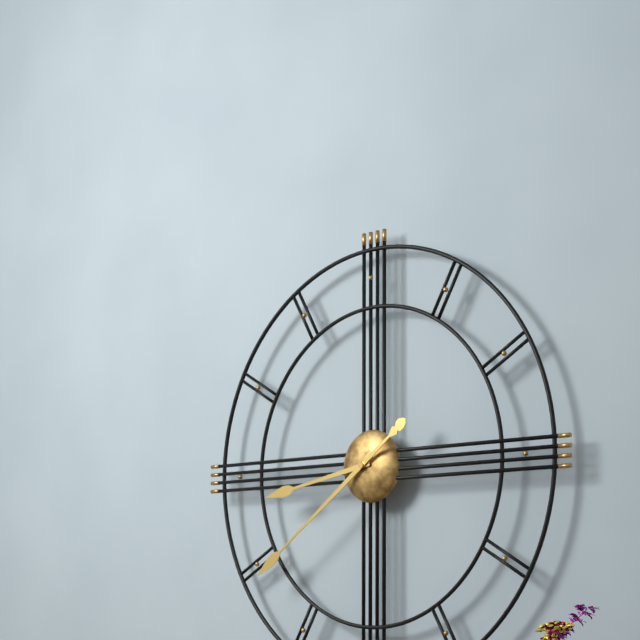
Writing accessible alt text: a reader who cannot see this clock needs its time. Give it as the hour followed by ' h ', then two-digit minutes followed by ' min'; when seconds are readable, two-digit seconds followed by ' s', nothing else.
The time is 8 h 39 min
